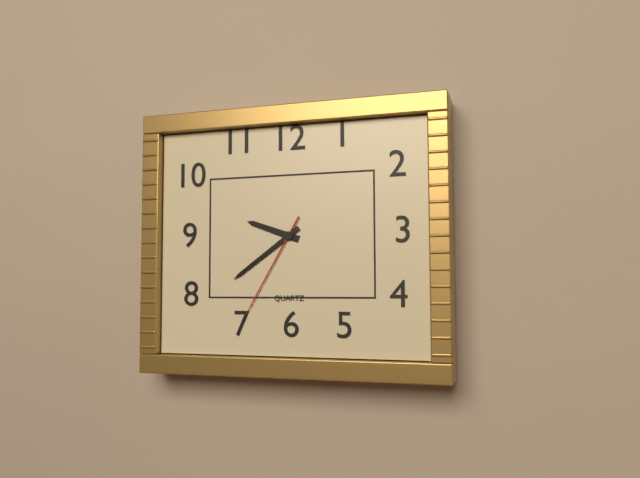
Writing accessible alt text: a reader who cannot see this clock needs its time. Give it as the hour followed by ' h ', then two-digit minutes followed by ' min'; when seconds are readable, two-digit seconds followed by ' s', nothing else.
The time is 9 h 39 min 35 s
